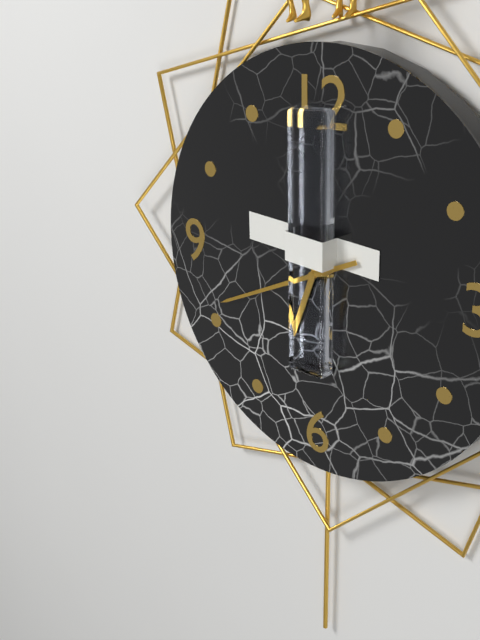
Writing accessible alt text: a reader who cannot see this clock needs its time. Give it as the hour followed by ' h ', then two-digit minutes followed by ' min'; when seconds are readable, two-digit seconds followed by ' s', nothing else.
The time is 6 h 41 min
